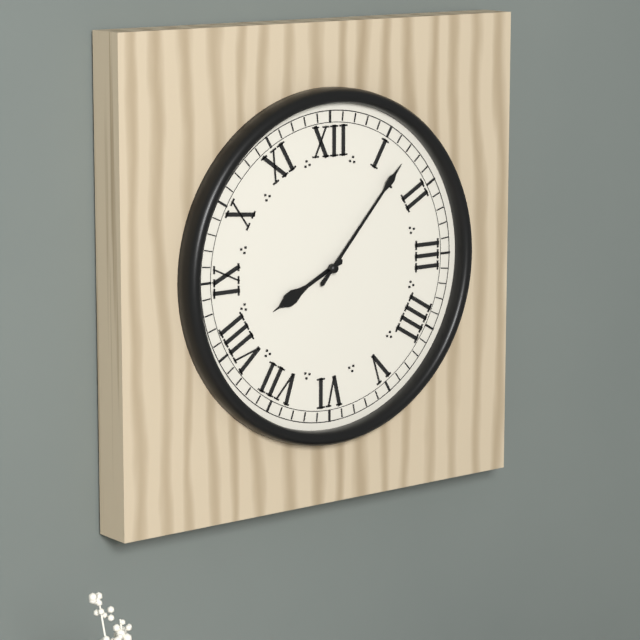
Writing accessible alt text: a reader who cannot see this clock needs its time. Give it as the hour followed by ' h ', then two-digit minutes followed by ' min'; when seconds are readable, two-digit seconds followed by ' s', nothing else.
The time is 8 h 07 min
